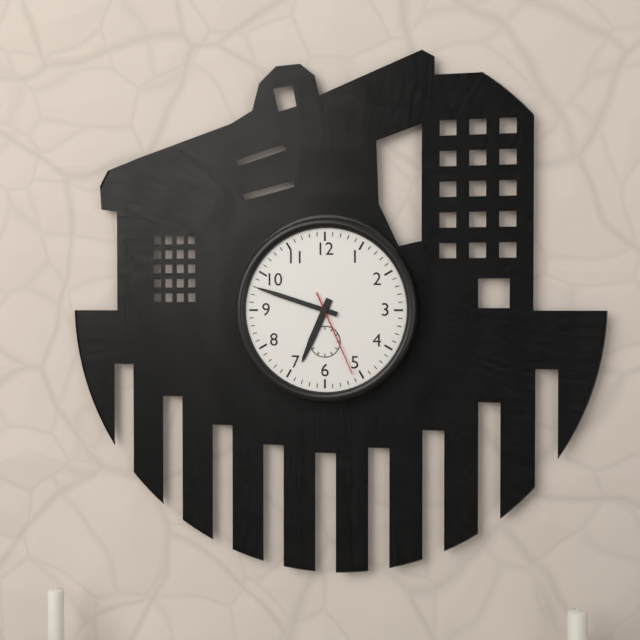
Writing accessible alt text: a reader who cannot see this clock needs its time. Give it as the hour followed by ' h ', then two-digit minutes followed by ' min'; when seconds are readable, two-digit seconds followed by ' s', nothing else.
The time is 6 h 48 min 26 s
